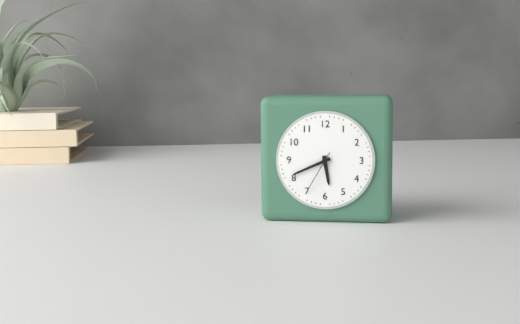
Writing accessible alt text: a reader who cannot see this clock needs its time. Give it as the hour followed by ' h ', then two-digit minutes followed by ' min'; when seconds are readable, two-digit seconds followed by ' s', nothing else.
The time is 5 h 41 min
